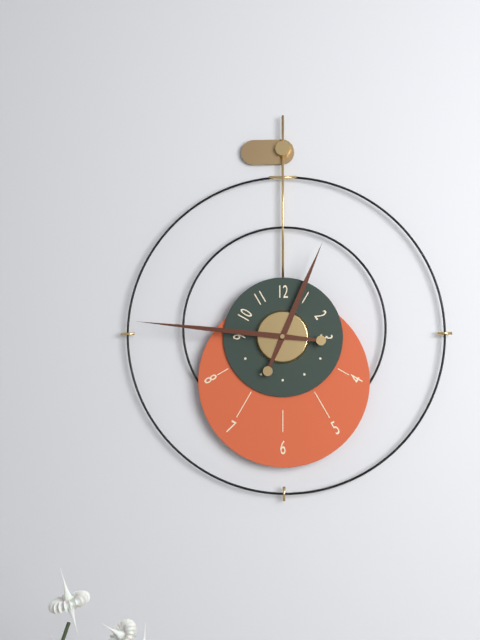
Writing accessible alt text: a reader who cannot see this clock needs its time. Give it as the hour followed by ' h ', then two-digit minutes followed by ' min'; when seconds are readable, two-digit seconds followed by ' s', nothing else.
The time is 12 h 46 min
